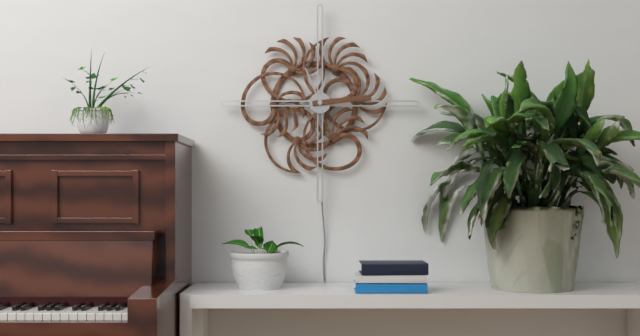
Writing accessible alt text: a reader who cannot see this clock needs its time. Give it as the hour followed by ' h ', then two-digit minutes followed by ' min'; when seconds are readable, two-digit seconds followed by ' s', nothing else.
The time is 11 h 14 min
